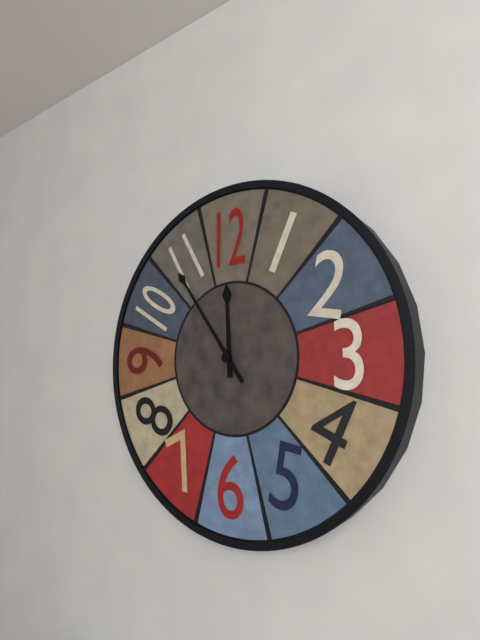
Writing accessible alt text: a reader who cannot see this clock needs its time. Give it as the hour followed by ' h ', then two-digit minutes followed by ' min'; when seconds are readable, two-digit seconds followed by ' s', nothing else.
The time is 11 h 54 min
